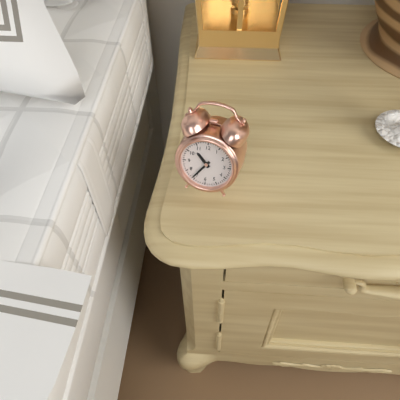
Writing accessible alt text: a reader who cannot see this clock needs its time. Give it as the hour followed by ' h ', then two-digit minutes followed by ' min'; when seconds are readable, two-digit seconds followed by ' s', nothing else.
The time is 10 h 36 min
